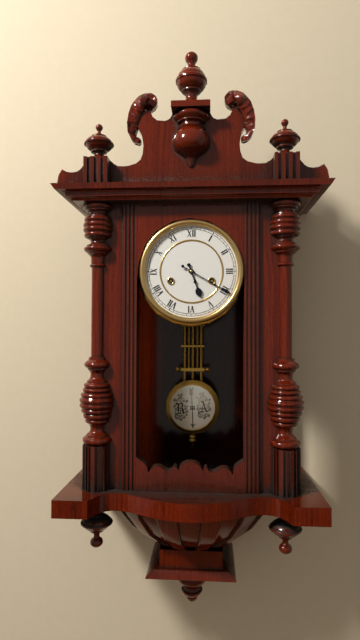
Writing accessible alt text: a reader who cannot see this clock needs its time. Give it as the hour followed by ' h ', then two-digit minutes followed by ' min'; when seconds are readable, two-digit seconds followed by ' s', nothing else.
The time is 5 h 20 min
